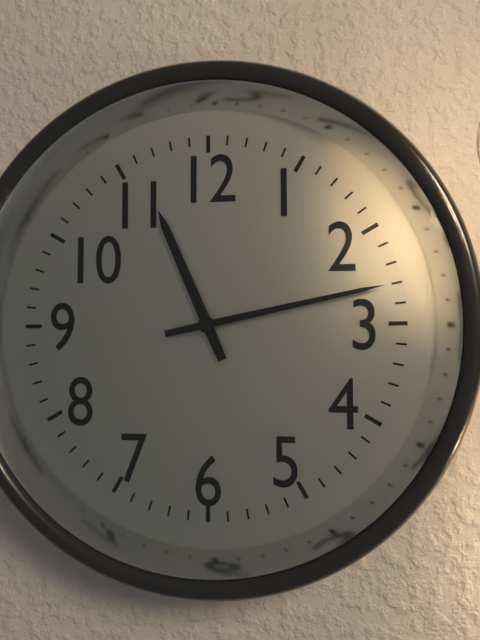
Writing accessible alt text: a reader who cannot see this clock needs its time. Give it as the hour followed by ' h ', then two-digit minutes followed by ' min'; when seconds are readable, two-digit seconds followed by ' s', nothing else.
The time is 11 h 13 min
